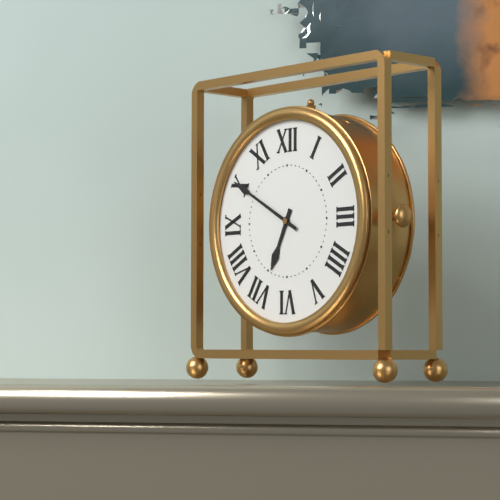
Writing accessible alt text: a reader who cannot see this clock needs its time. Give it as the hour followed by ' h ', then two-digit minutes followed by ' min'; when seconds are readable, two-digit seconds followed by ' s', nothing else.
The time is 6 h 50 min
